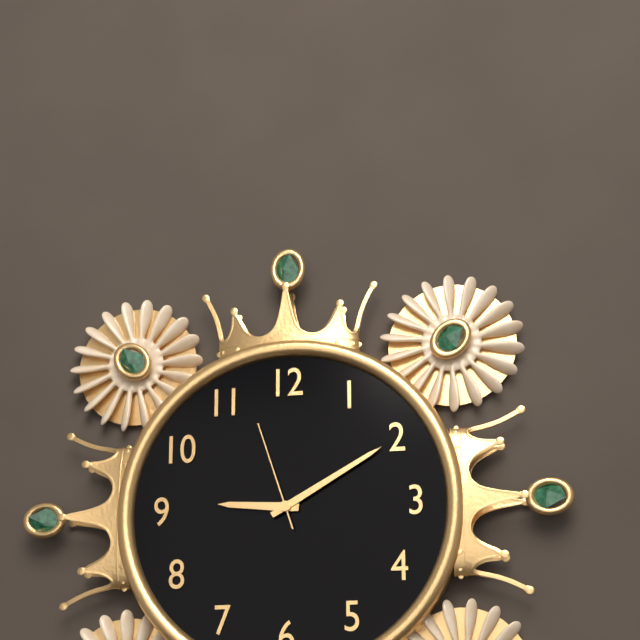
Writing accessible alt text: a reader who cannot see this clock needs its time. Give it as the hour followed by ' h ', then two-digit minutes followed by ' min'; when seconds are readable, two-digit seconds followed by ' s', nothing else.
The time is 9 h 10 min 57 s
